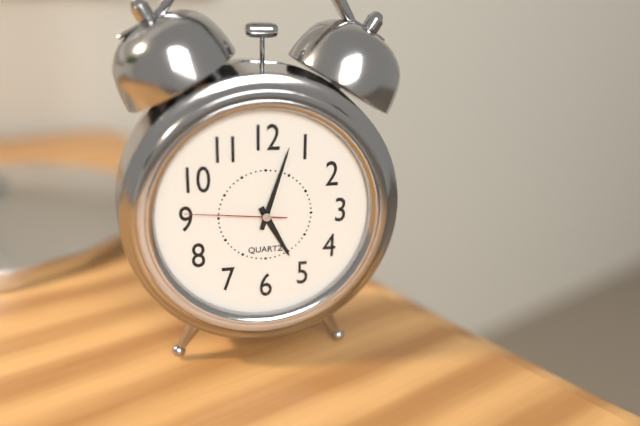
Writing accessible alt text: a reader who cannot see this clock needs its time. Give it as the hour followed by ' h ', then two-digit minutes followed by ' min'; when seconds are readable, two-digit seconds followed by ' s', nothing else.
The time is 5 h 03 min 46 s
